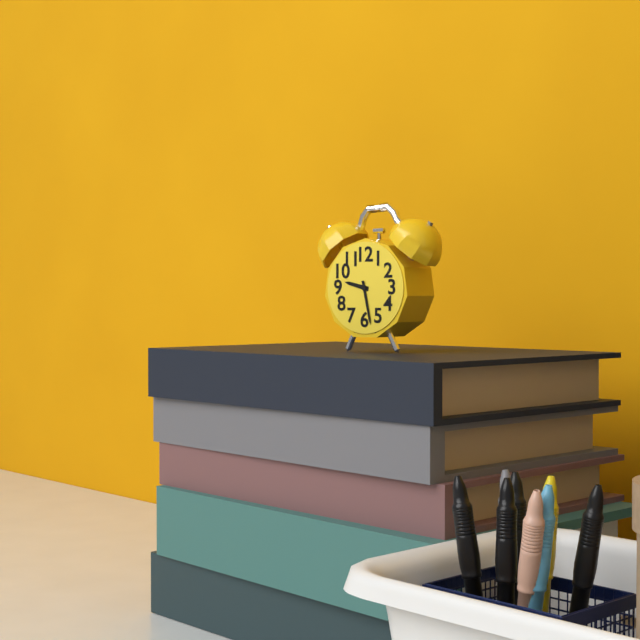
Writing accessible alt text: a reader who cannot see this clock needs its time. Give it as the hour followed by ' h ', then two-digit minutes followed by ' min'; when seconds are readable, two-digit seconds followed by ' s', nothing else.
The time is 9 h 28 min
